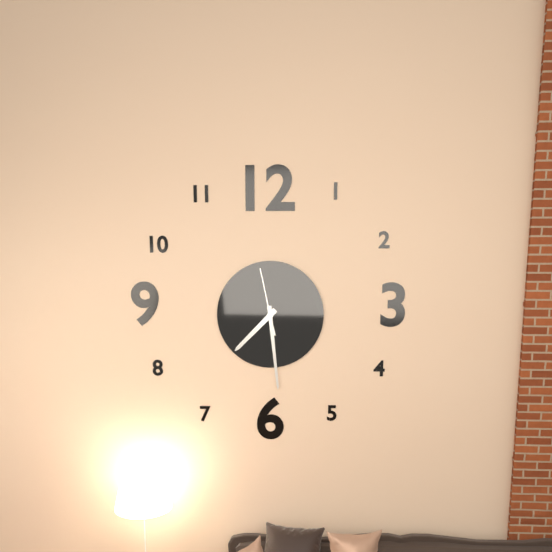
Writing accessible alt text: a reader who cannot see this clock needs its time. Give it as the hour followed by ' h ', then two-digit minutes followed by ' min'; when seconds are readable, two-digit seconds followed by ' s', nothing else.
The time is 7 h 29 min 58 s
